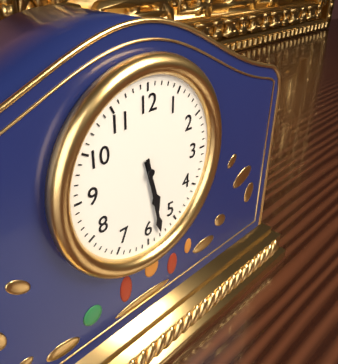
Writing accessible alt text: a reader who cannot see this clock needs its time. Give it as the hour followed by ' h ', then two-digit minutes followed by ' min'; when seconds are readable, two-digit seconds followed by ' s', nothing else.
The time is 5 h 28 min
